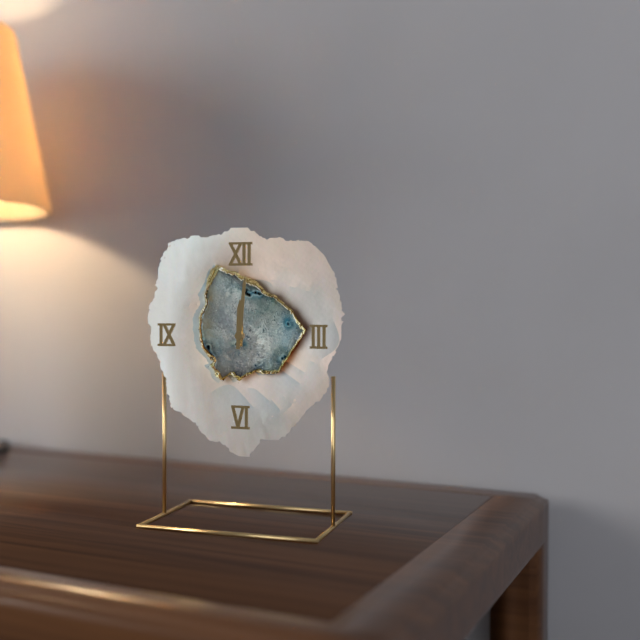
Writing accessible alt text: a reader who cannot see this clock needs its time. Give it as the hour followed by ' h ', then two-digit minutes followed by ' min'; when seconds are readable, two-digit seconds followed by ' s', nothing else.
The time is 12 h 01 min
